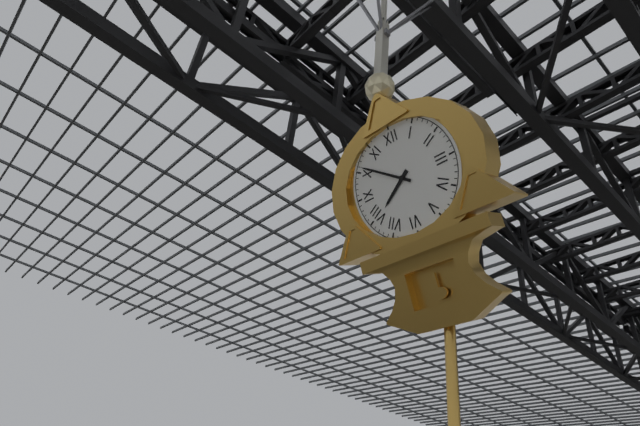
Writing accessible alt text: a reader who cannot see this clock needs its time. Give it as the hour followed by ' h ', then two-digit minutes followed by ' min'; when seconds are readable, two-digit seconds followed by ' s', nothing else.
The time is 7 h 51 min
